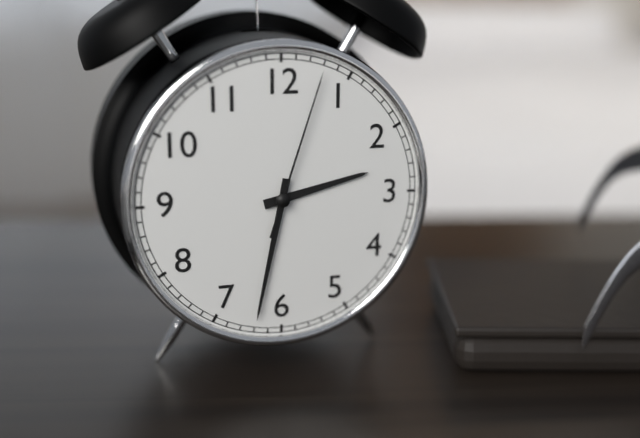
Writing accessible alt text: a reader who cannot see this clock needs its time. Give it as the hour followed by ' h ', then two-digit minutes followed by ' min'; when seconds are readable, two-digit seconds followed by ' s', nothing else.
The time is 2 h 32 min 03 s
